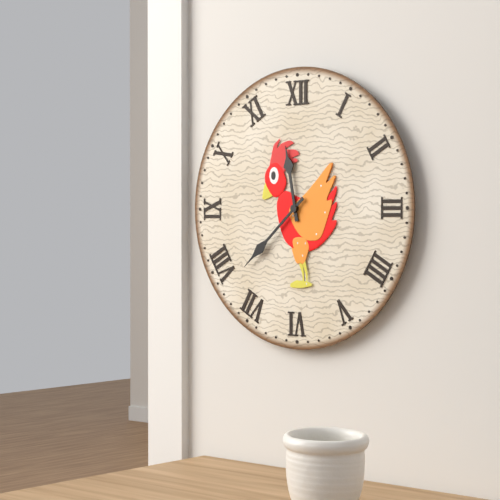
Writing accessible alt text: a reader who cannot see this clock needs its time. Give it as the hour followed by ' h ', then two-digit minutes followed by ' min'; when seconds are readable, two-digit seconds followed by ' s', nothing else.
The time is 11 h 38 min
